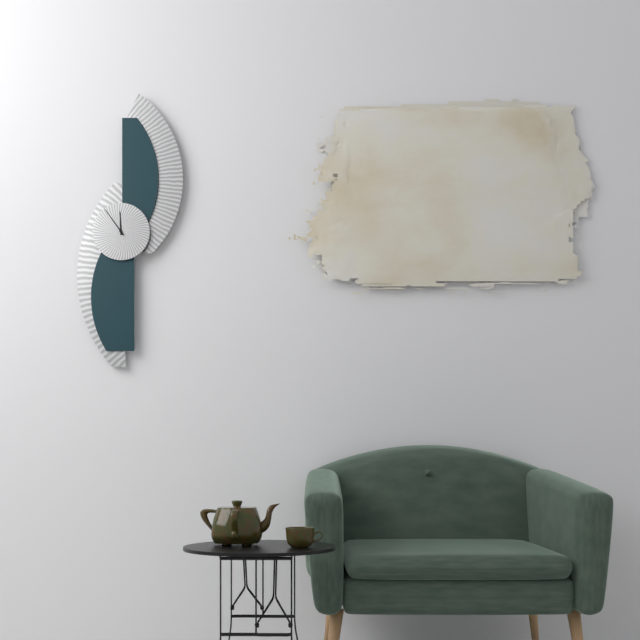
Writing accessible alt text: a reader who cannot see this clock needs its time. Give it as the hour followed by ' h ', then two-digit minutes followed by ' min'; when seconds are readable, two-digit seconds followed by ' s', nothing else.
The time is 11 h 54 min
